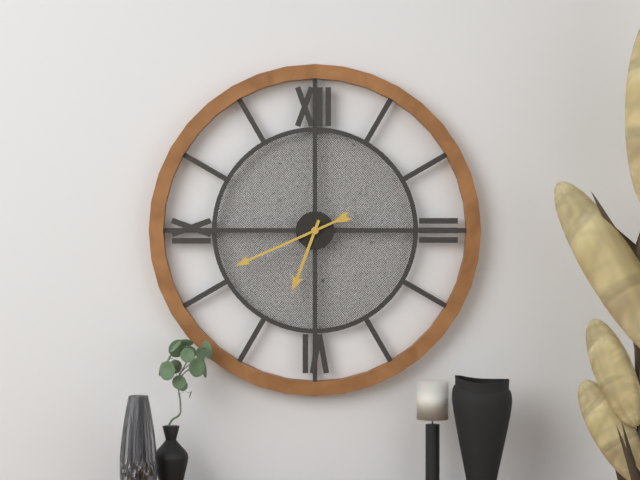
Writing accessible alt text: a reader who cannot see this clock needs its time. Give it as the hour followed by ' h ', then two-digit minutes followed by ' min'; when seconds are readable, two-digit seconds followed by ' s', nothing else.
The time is 6 h 41 min
